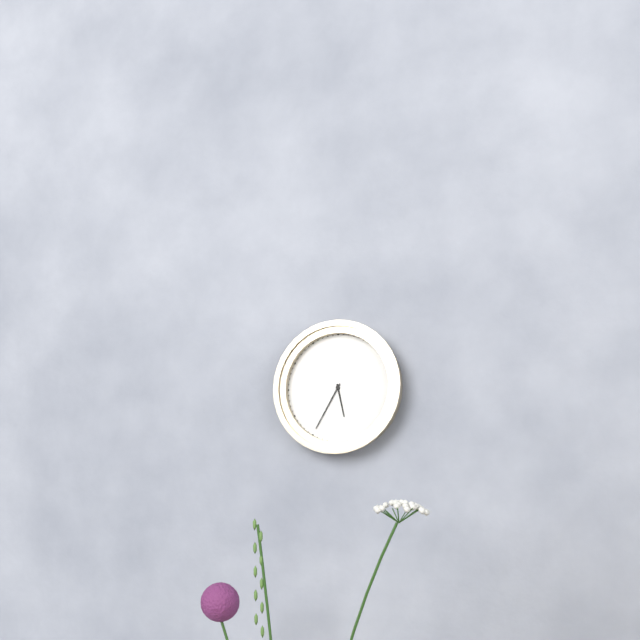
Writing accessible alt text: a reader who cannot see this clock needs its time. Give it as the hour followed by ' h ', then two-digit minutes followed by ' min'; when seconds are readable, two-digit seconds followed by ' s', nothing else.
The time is 5 h 35 min
